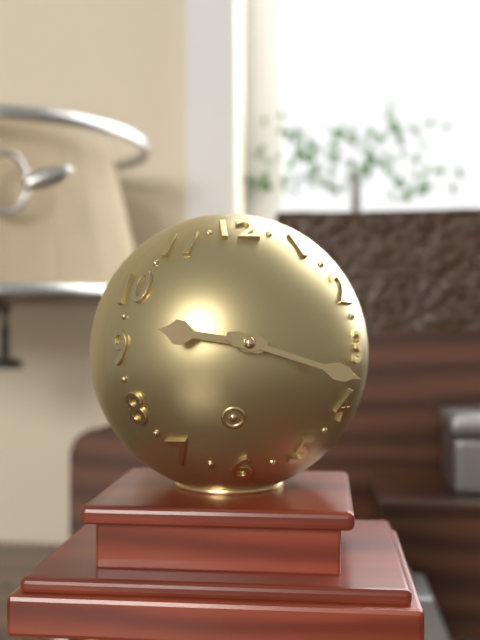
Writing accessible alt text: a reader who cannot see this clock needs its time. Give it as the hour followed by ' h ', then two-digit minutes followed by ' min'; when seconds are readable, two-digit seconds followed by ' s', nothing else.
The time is 9 h 18 min
